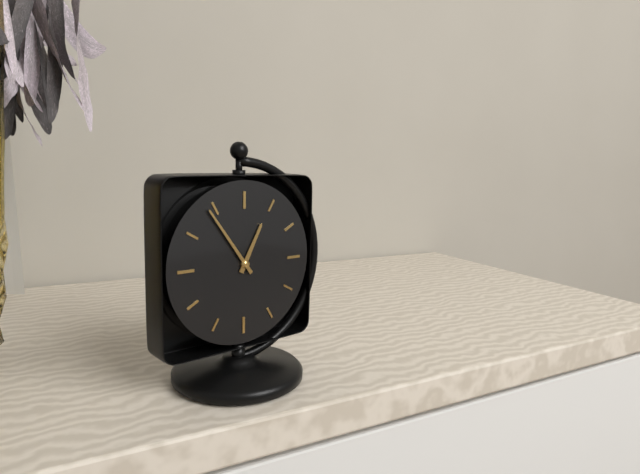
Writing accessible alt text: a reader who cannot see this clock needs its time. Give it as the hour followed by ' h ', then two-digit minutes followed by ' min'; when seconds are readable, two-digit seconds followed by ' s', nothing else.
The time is 12 h 54 min
